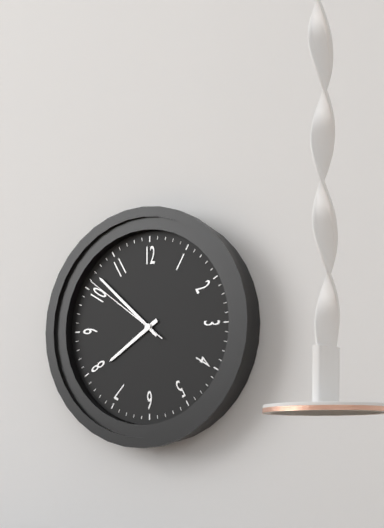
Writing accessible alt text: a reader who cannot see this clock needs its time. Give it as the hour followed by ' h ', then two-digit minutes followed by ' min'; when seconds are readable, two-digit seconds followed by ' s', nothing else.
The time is 7 h 52 min 51 s
